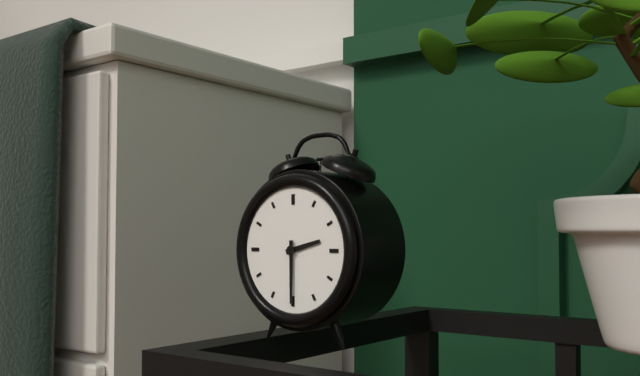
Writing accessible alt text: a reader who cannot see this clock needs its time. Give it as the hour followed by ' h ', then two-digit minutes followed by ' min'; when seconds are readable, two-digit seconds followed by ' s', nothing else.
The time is 2 h 30 min
